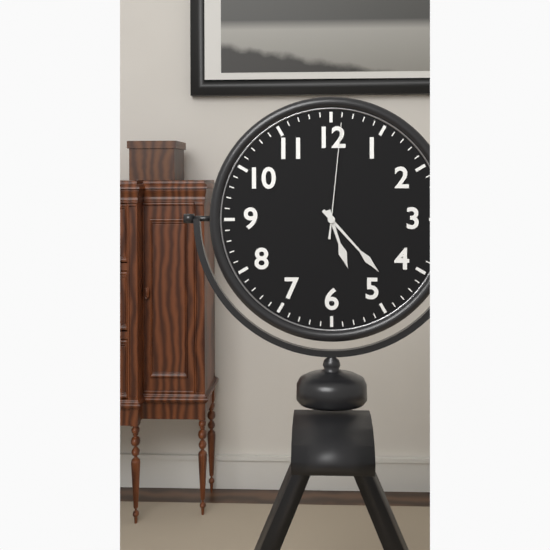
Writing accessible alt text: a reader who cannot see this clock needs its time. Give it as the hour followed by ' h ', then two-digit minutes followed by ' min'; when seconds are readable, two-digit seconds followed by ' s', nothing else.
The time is 5 h 23 min 01 s
